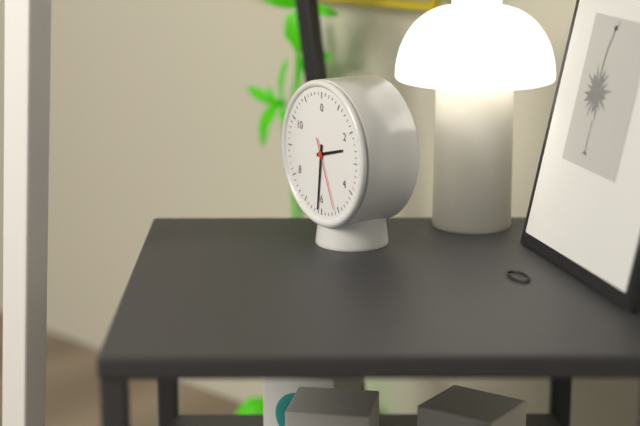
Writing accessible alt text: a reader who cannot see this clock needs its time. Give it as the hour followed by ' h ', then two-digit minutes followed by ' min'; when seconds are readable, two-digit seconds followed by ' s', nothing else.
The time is 2 h 31 min 26 s
